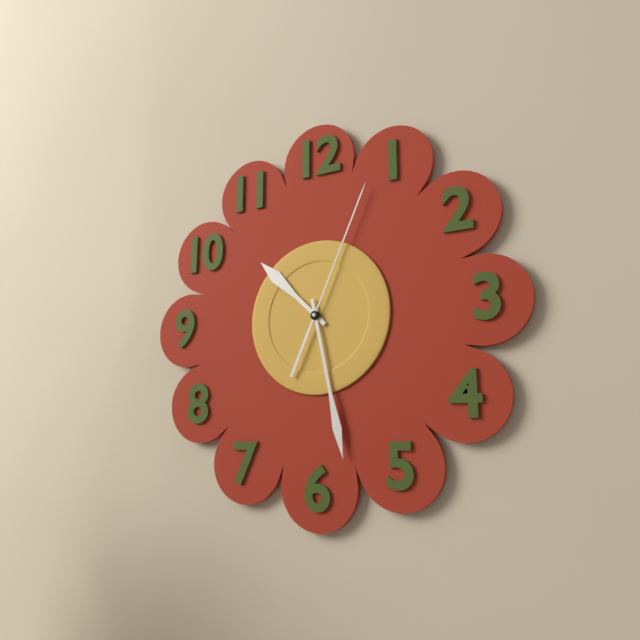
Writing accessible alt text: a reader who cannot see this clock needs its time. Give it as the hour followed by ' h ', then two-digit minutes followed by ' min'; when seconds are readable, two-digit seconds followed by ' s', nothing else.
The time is 10 h 28 min 04 s
